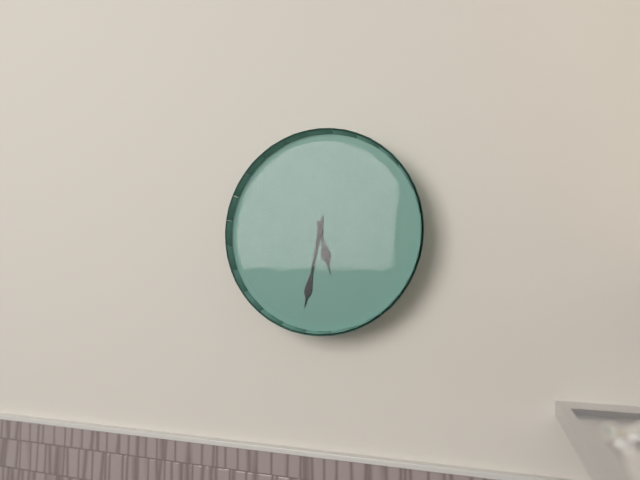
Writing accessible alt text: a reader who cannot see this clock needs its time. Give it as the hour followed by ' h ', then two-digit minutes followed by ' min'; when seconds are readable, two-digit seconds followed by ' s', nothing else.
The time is 5 h 32 min
